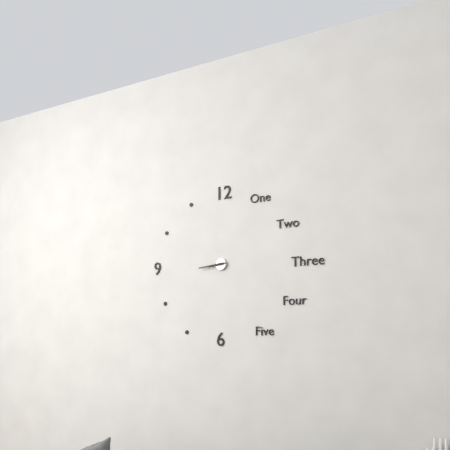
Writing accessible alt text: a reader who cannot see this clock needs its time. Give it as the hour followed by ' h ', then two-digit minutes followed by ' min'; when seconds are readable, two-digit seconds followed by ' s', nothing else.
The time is 8 h 44 min
